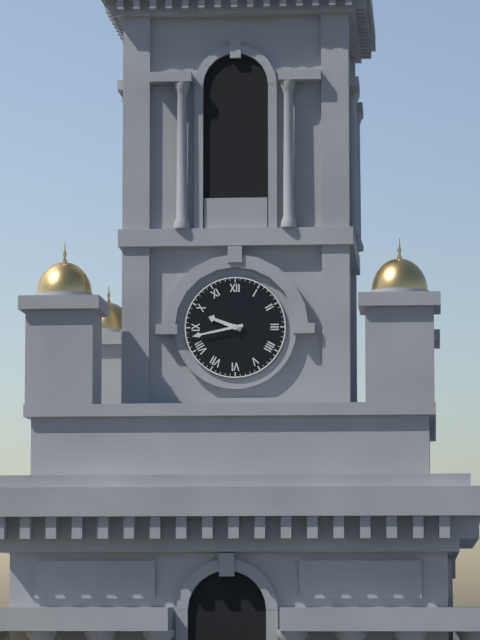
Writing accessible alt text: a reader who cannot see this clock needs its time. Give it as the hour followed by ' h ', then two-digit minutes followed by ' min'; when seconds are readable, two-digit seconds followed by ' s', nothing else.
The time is 9 h 43 min
